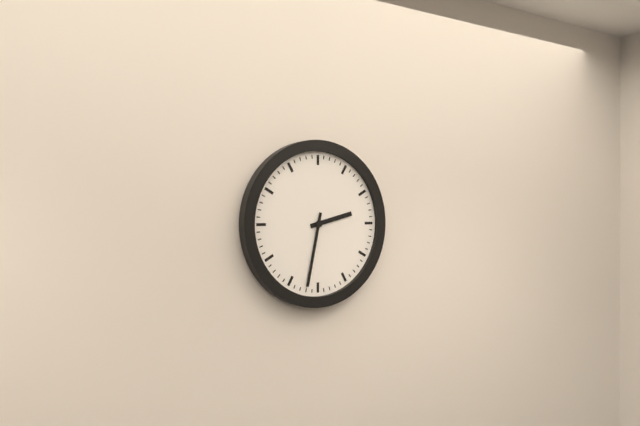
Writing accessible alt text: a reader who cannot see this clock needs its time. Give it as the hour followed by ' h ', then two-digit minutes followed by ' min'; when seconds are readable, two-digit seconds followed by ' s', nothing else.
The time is 2 h 32 min
